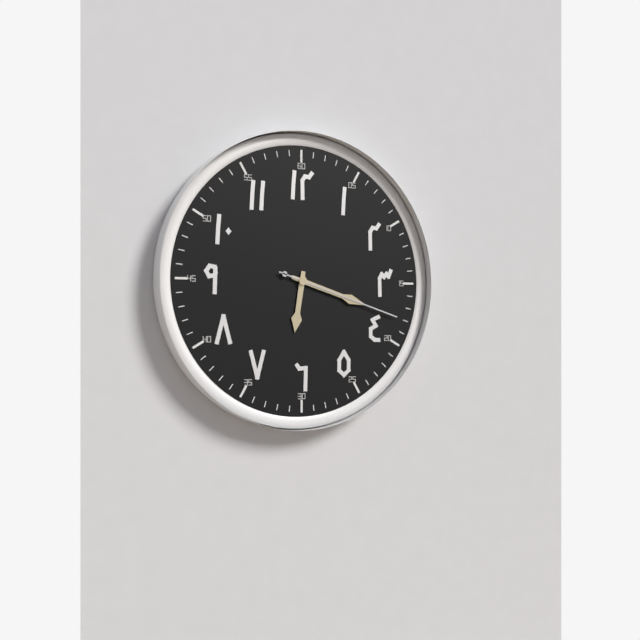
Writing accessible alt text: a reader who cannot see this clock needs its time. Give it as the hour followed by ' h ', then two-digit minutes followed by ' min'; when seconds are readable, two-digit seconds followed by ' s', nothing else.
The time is 6 h 18 min 18 s
